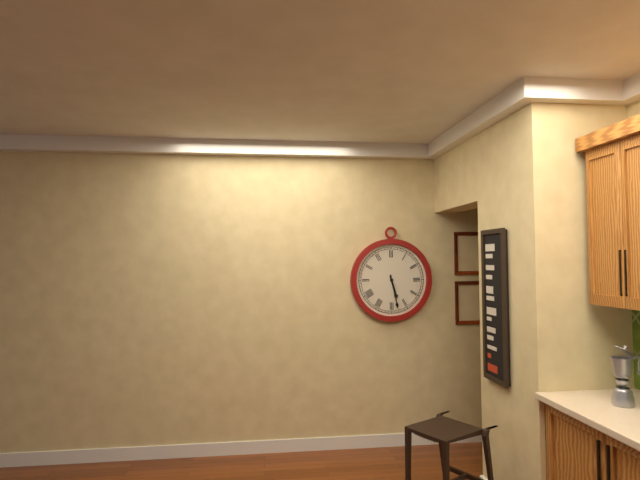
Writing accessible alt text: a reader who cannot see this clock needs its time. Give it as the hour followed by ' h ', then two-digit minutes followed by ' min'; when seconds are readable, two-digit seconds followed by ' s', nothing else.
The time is 5 h 28 min
